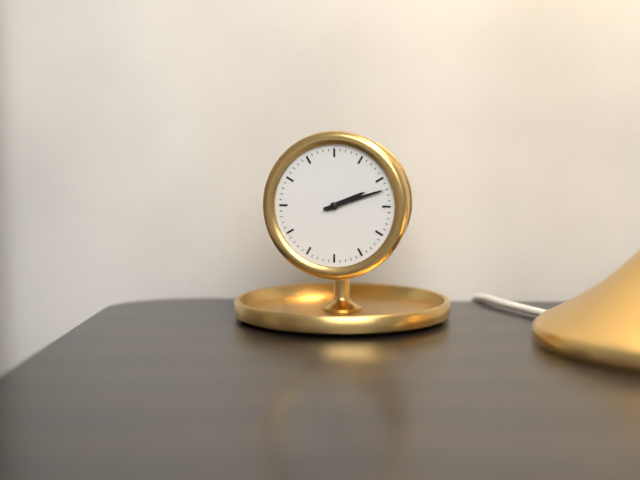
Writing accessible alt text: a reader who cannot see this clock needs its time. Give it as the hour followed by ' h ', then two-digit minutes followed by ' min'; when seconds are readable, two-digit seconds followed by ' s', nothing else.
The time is 2 h 12 min
